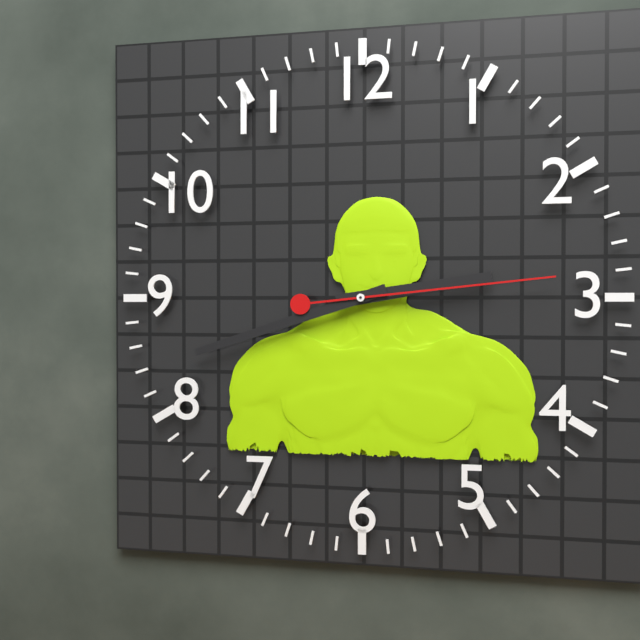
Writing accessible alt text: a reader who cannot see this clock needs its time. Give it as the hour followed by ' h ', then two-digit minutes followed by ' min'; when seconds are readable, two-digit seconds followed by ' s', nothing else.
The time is 2 h 42 min 14 s
